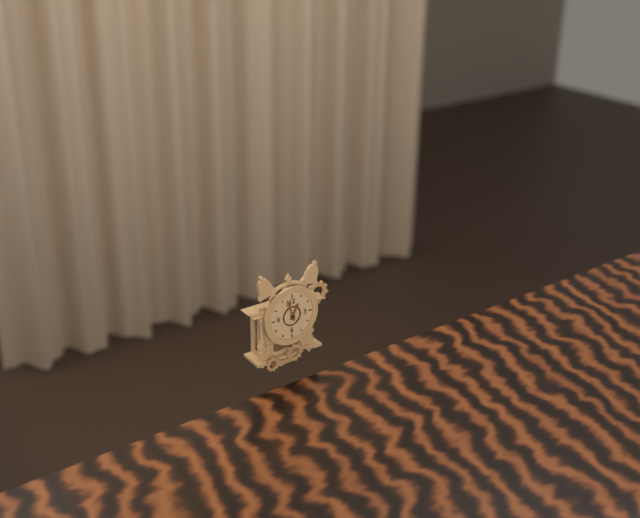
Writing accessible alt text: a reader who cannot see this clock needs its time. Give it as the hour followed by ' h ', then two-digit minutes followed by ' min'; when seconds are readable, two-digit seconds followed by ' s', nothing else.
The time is 12 h 57 min
